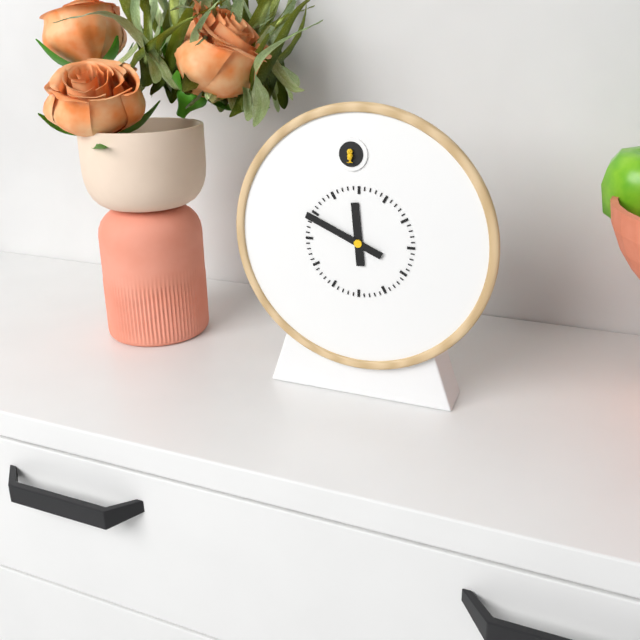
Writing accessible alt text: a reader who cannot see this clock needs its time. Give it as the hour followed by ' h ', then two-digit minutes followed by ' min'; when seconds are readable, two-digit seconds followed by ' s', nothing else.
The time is 11 h 49 min
